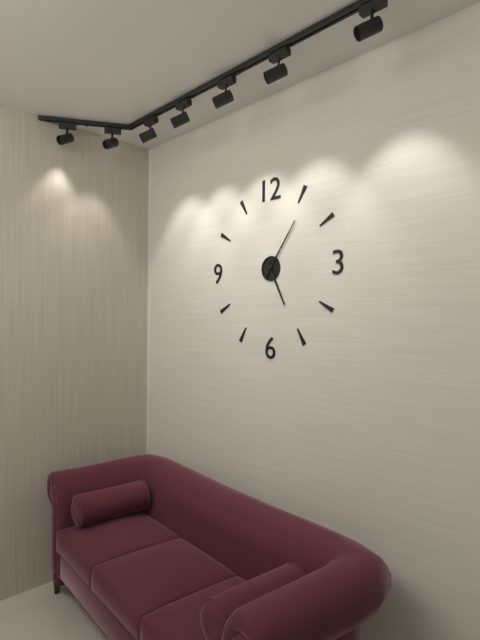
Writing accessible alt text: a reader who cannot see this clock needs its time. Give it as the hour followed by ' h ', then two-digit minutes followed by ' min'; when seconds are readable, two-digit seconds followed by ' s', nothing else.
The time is 5 h 06 min
